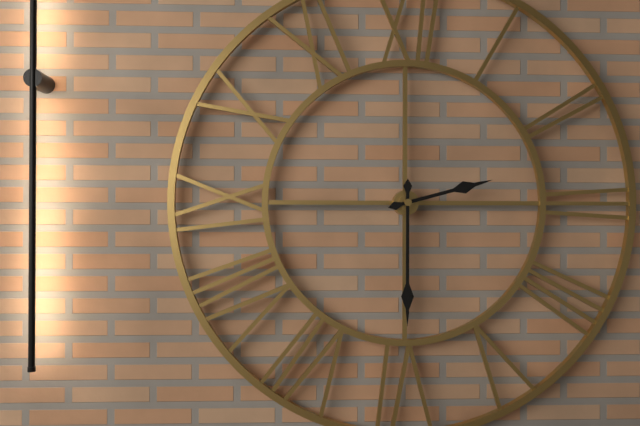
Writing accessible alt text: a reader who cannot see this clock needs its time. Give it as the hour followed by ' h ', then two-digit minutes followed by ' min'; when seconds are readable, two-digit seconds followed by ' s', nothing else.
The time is 2 h 30 min
